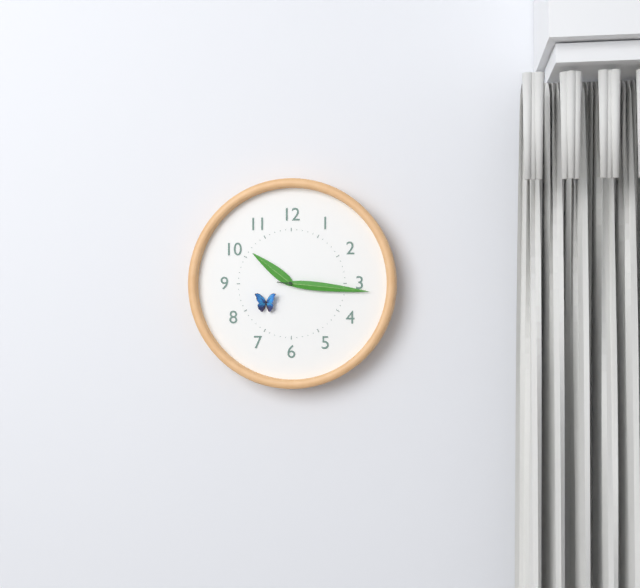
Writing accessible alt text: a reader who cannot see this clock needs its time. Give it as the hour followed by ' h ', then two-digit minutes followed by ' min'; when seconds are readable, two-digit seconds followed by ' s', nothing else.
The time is 10 h 16 min
